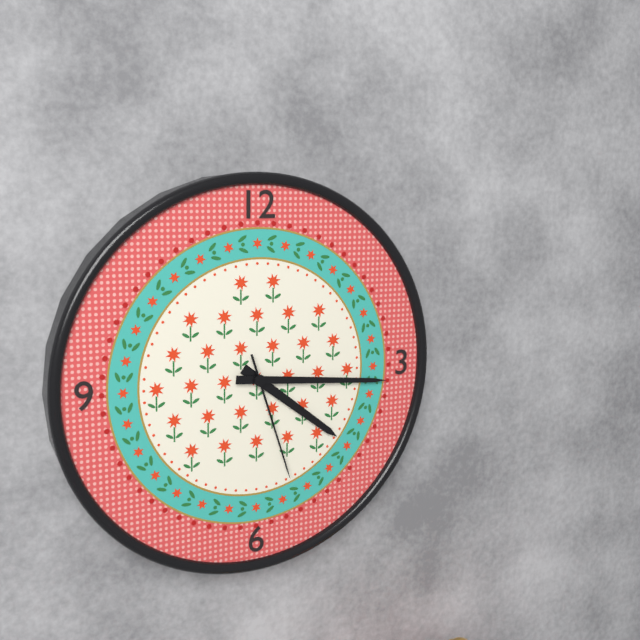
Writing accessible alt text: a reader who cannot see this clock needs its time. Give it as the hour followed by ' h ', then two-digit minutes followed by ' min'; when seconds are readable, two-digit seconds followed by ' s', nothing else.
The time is 4 h 16 min 27 s
